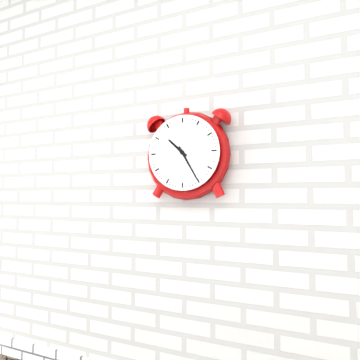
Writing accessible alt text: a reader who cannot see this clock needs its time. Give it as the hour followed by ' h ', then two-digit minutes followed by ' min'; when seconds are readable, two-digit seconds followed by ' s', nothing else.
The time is 10 h 25 min
